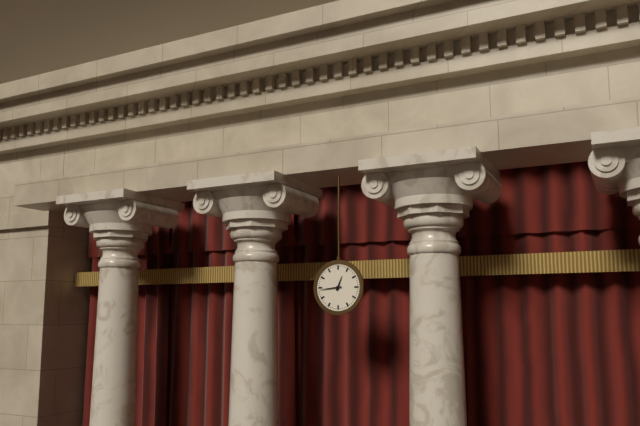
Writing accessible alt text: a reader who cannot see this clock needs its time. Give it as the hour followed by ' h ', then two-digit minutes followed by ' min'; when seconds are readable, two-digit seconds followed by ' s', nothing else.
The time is 12 h 44 min
